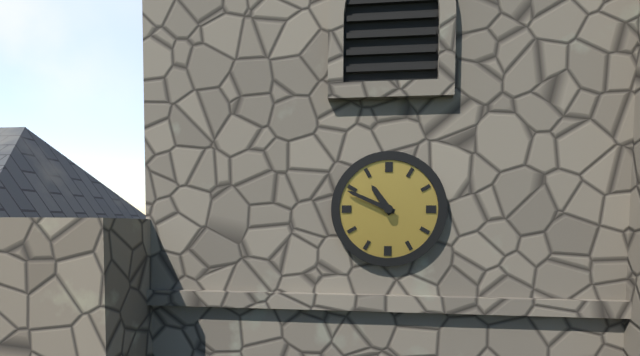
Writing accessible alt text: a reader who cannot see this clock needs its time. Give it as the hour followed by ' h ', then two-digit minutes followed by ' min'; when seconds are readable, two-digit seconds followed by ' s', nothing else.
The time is 10 h 49 min
